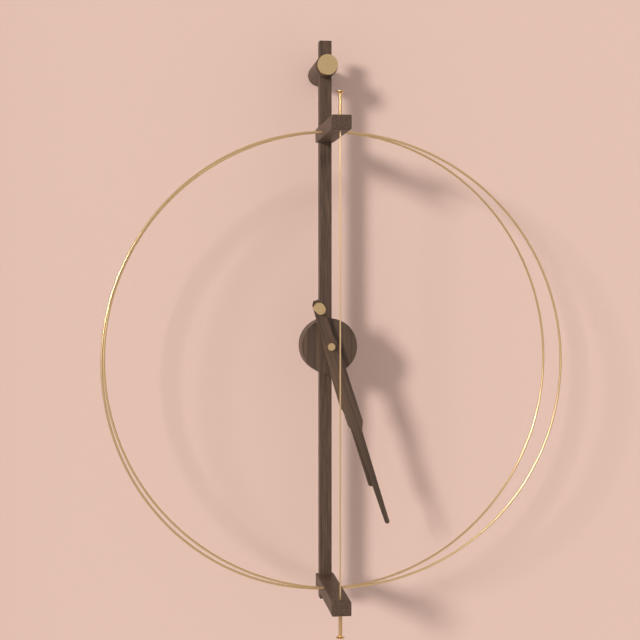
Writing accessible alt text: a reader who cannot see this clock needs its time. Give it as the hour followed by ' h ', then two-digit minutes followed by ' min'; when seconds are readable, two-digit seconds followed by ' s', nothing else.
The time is 5 h 27 min
